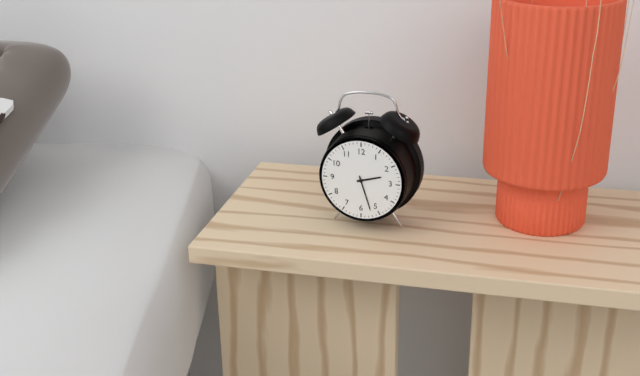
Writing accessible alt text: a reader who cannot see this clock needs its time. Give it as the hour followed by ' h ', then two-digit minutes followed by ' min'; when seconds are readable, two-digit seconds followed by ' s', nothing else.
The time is 2 h 27 min
